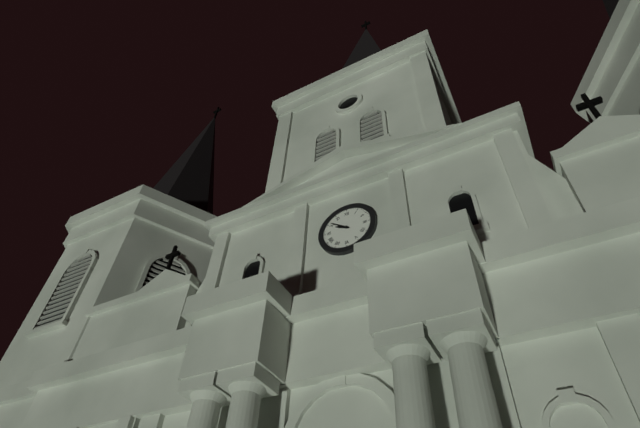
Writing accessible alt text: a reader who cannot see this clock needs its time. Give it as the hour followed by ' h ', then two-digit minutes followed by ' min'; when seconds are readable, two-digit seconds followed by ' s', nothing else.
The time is 9 h 51 min
